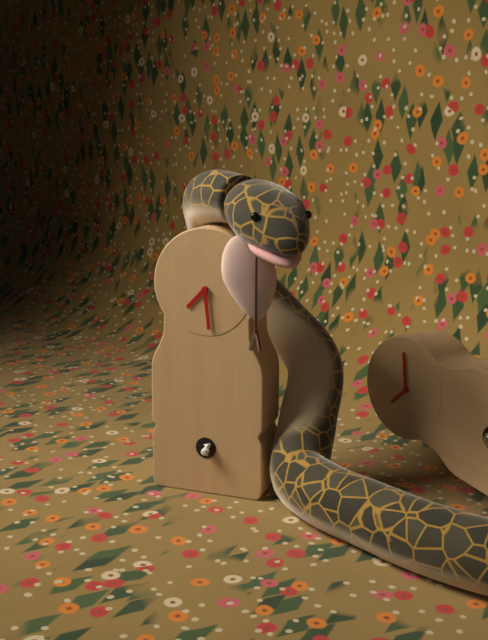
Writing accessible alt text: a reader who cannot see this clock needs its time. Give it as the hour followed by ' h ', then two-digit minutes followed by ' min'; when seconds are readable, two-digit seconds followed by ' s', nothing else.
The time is 7 h 29 min
